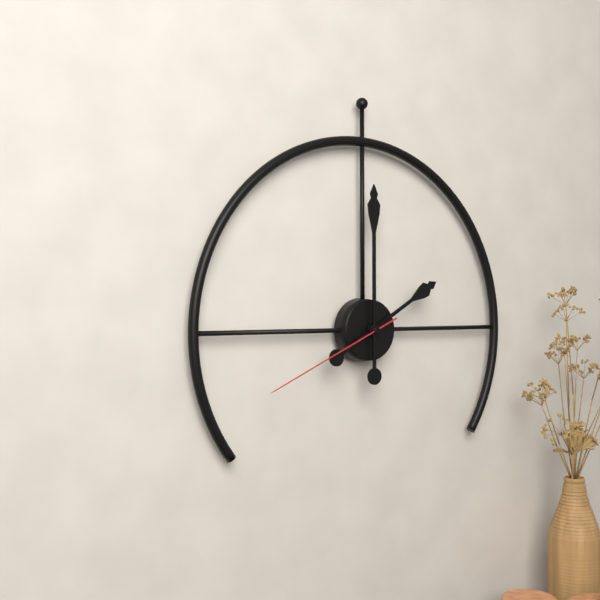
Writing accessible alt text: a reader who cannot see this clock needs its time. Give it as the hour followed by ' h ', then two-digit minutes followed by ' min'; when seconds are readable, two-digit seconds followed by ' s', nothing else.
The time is 2 h 00 min 41 s
